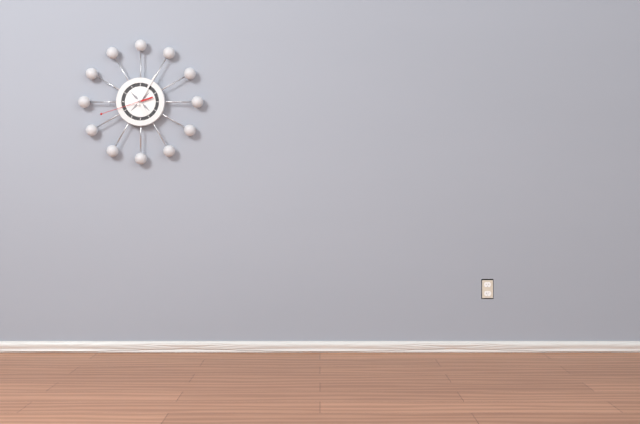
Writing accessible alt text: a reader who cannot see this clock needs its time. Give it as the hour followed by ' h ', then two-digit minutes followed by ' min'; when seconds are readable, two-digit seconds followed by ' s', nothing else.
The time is 5 h 05 min 42 s
